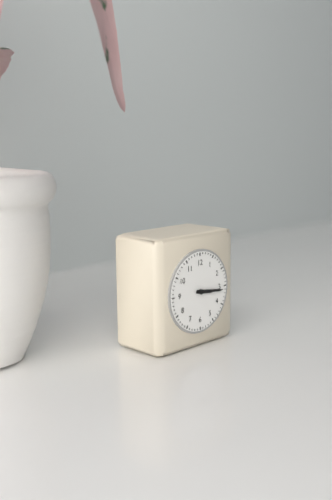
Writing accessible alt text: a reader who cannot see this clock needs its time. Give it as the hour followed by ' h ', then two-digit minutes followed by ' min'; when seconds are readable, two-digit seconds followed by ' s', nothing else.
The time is 3 h 16 min
